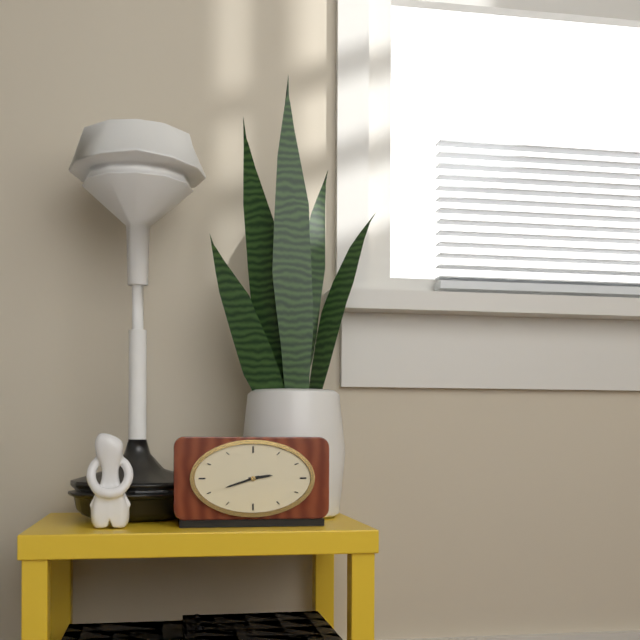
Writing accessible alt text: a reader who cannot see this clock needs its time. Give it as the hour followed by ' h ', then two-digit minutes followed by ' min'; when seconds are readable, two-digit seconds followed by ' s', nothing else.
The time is 2 h 42 min
